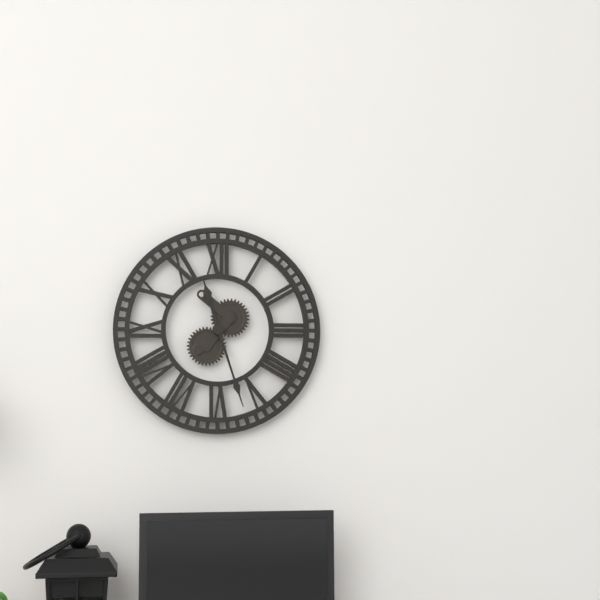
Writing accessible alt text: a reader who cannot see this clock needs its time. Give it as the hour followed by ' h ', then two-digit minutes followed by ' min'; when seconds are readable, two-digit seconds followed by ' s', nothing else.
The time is 11 h 27 min
